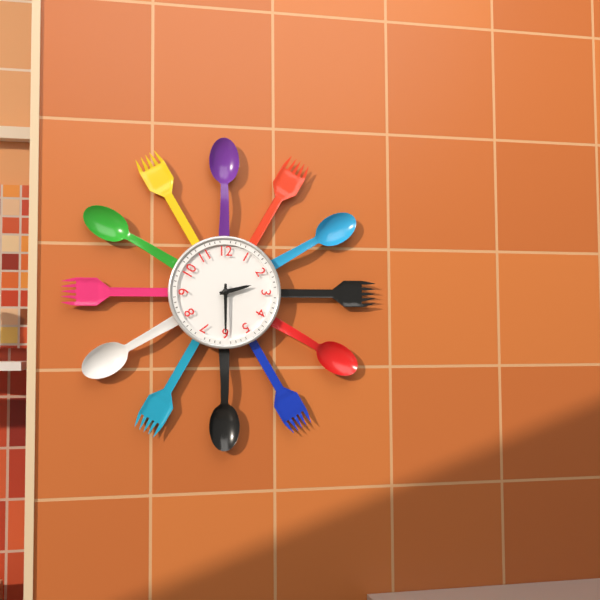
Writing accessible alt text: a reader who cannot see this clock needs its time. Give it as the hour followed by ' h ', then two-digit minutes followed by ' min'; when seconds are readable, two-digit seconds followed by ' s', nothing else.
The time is 2 h 30 min
